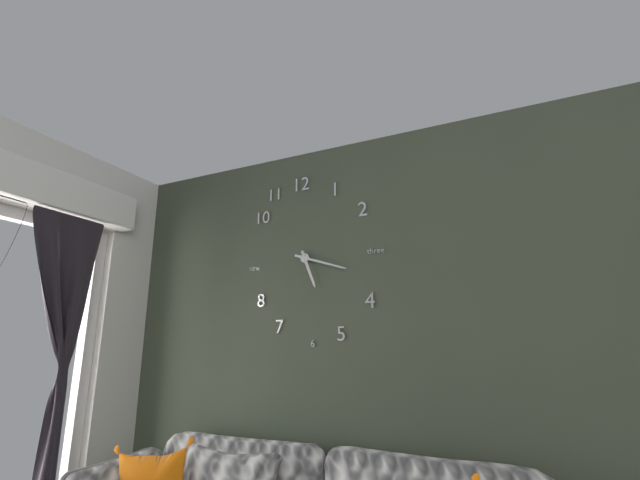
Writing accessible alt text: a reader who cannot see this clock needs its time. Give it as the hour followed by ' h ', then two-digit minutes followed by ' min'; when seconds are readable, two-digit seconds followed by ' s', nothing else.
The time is 5 h 18 min
